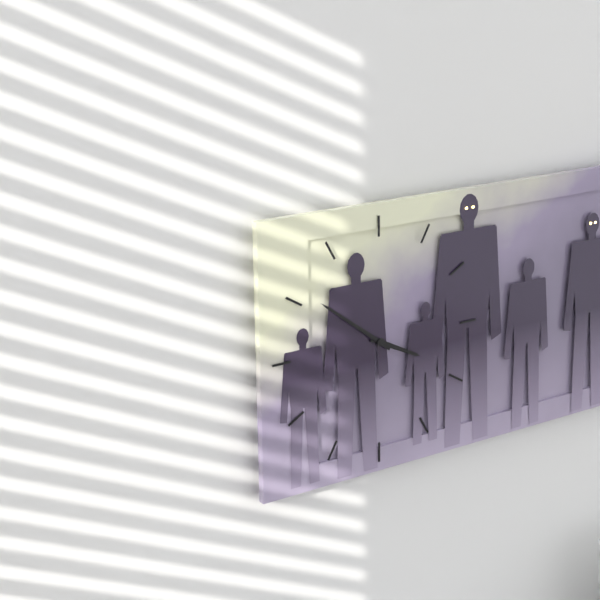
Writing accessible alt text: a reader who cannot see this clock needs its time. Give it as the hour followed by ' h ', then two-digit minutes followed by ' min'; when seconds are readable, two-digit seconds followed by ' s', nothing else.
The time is 3 h 51 min
